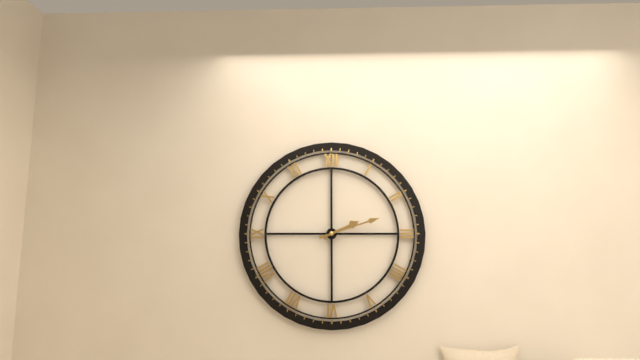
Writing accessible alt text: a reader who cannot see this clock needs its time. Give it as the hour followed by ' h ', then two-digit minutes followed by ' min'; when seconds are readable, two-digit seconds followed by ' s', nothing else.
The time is 2 h 12 min
